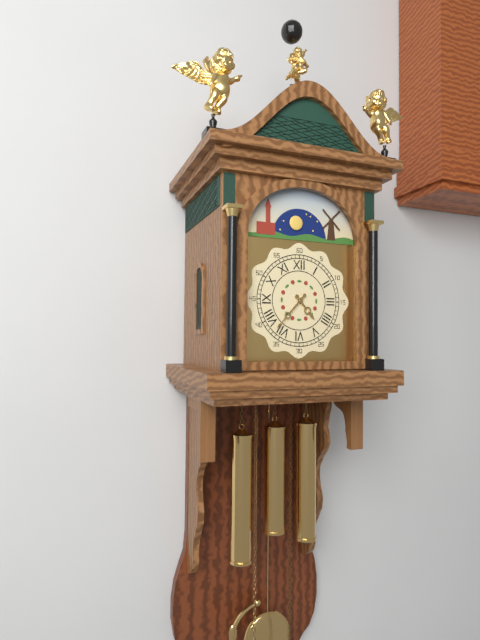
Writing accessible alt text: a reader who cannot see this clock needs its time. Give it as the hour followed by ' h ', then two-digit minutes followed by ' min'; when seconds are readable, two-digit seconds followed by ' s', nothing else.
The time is 4 h 37 min
